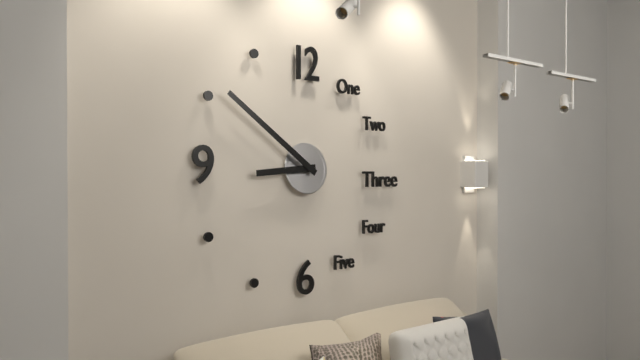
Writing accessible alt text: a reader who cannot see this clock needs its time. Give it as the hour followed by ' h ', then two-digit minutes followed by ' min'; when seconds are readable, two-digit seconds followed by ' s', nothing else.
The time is 8 h 51 min
